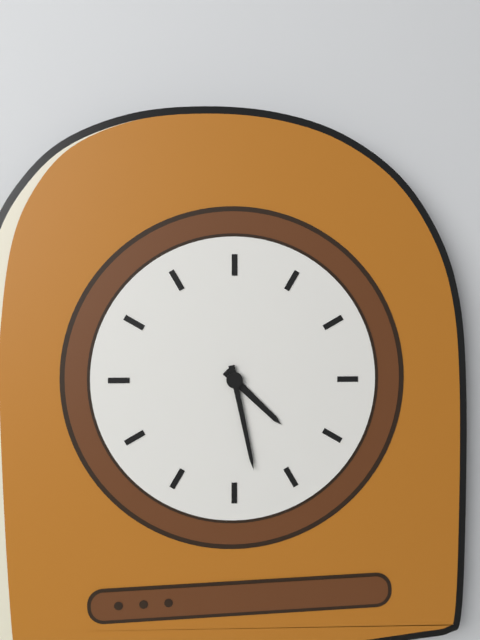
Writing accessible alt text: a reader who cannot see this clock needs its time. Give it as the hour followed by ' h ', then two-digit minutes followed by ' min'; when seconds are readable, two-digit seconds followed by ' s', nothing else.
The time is 4 h 28 min
